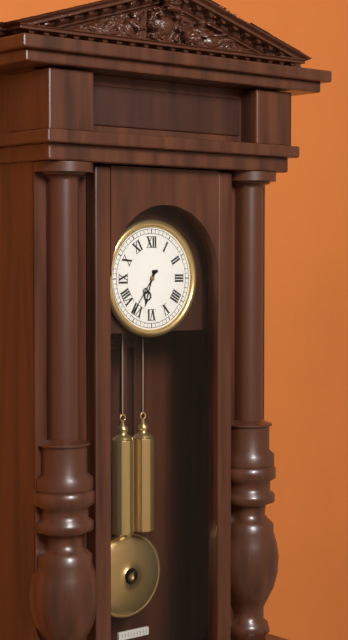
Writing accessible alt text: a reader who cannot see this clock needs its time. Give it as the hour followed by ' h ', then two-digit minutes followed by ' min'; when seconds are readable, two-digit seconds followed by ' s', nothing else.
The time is 6 h 36 min
